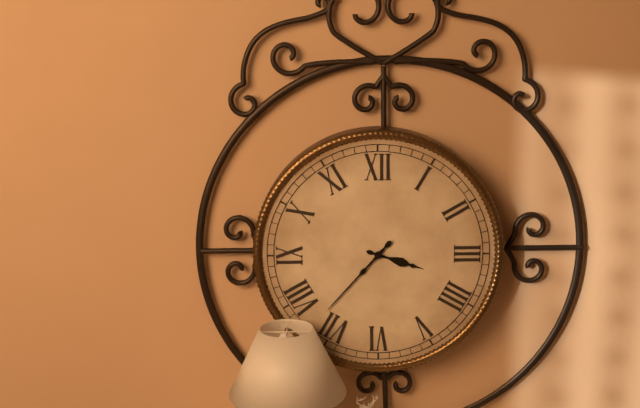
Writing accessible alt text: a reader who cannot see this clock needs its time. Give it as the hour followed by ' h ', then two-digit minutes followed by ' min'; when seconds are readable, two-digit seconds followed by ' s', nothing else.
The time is 3 h 37 min
